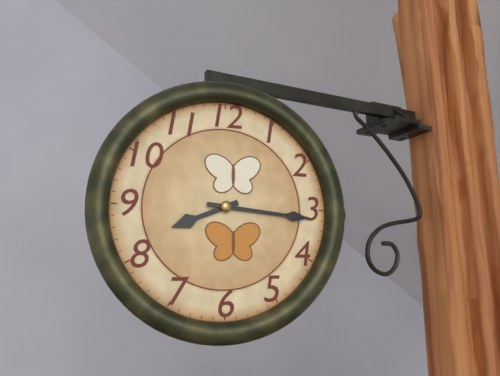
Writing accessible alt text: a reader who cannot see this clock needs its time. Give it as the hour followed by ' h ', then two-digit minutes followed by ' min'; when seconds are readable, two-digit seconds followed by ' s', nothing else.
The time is 8 h 16 min
